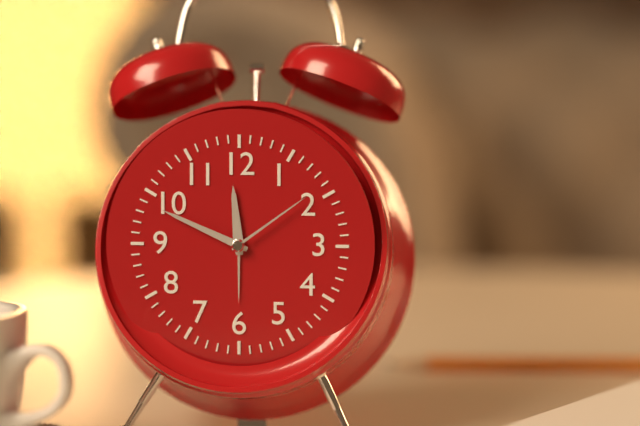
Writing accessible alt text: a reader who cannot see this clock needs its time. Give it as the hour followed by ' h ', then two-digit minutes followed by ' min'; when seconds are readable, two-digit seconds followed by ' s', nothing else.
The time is 11 h 49 min 09 s
